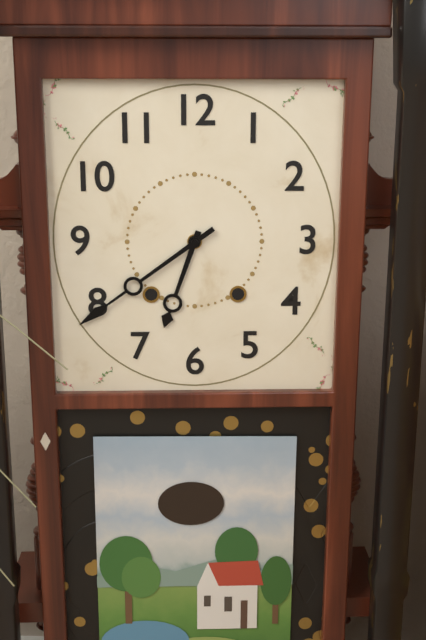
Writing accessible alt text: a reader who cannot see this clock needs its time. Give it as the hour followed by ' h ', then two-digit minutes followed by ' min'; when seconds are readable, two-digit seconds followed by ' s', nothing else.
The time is 6 h 39 min
